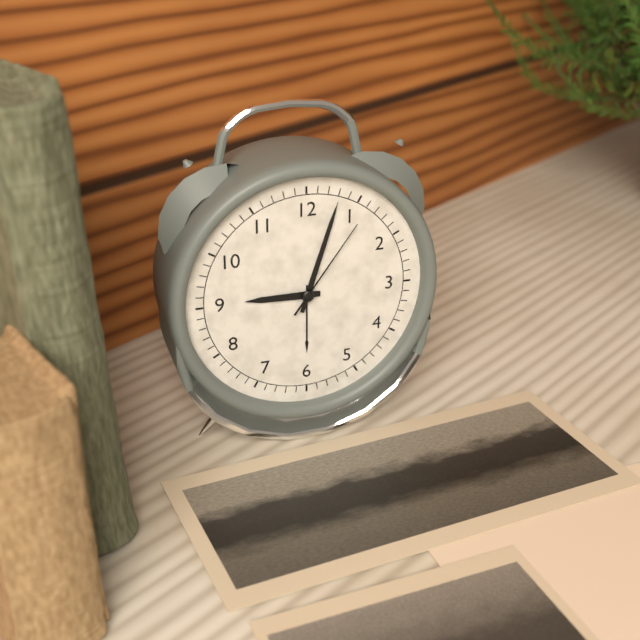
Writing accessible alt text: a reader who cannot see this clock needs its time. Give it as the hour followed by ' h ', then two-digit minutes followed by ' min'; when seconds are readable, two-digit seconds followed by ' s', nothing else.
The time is 9 h 03 min 06 s
